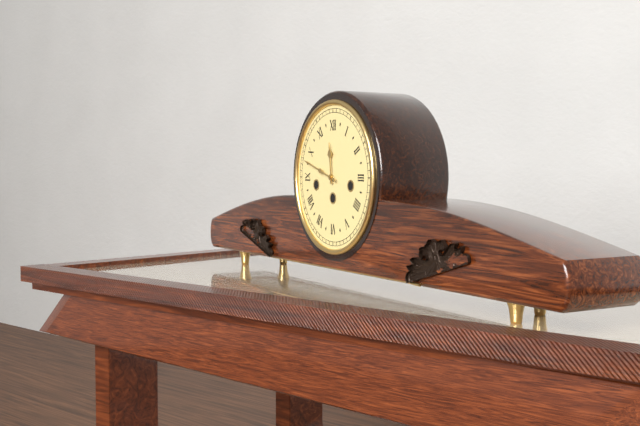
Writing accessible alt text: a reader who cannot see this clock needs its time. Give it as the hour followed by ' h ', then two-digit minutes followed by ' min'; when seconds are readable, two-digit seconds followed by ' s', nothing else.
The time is 11 h 48 min
